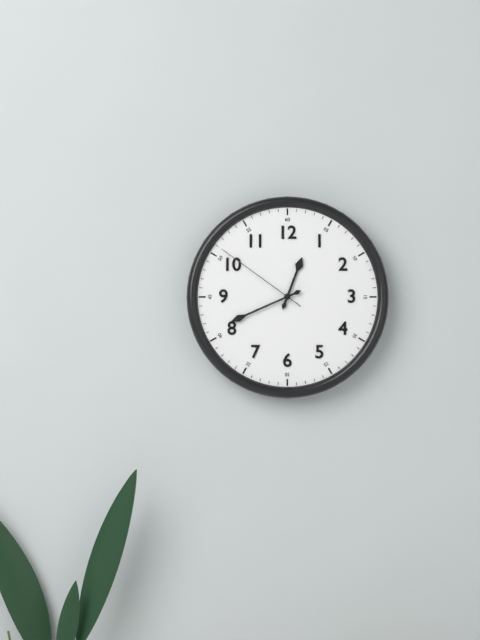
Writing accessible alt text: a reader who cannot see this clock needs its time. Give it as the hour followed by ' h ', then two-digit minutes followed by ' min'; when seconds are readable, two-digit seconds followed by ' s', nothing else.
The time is 12 h 41 min 51 s
